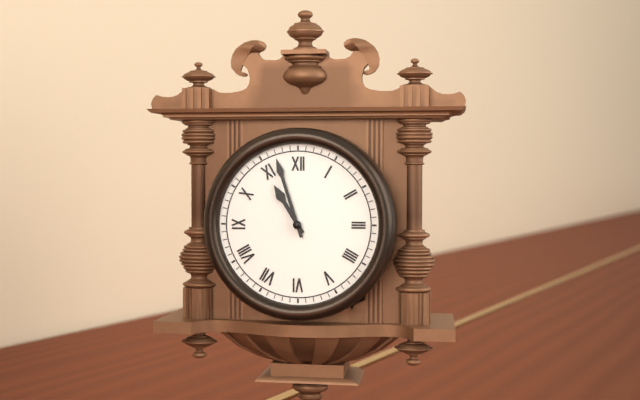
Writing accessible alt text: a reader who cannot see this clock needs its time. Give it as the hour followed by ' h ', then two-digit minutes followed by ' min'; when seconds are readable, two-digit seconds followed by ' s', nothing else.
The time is 10 h 57 min
